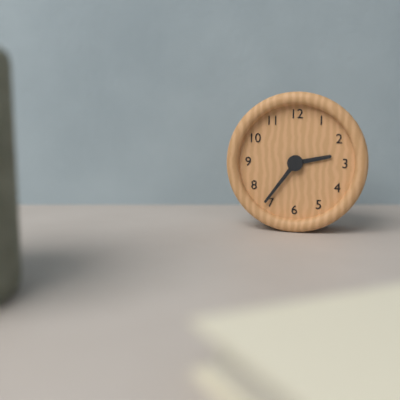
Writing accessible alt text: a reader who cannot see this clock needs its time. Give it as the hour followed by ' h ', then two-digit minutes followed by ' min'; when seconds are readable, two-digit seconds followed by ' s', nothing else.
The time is 2 h 36 min
